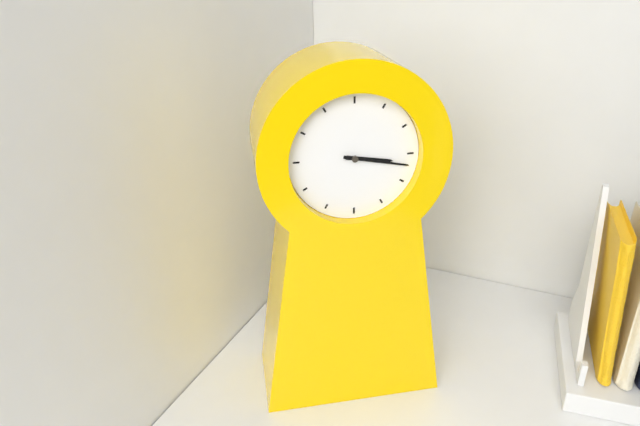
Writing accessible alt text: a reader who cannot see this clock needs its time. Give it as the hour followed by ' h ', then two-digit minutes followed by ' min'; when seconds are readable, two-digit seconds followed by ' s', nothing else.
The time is 3 h 17 min
